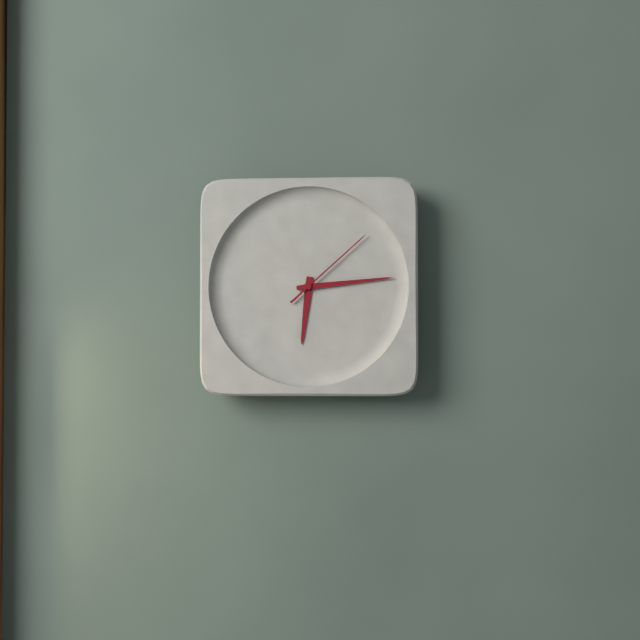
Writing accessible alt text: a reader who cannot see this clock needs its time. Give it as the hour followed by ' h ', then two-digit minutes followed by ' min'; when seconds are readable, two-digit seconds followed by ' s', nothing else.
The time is 6 h 14 min 08 s
